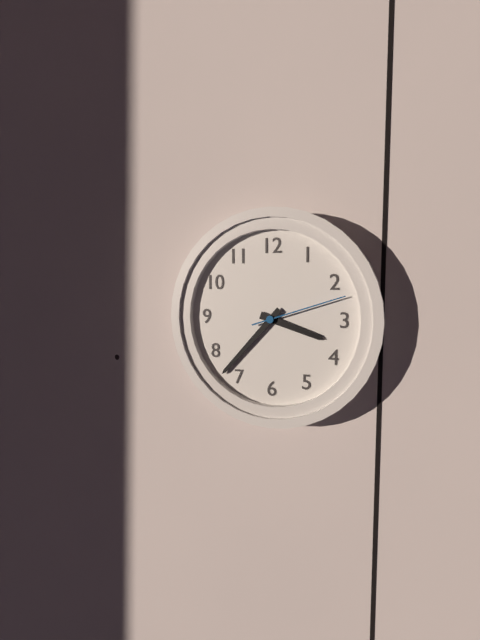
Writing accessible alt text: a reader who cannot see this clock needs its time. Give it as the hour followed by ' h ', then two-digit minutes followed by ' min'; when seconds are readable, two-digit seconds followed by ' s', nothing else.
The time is 3 h 37 min 12 s
